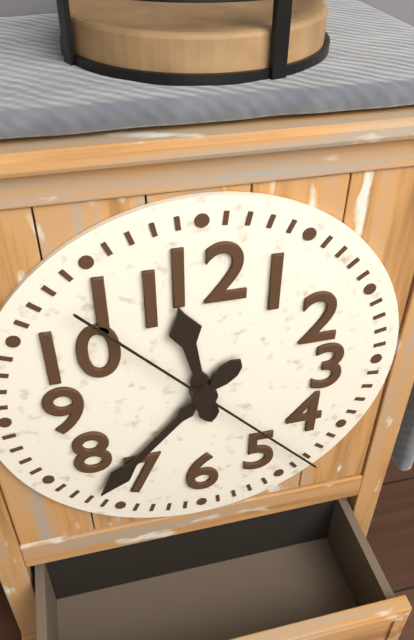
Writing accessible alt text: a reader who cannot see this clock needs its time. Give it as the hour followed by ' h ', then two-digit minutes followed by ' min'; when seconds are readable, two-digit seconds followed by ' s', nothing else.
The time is 11 h 37 min 23 s
